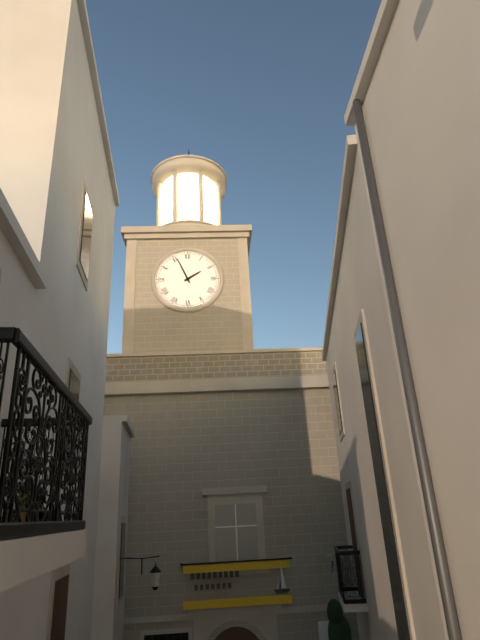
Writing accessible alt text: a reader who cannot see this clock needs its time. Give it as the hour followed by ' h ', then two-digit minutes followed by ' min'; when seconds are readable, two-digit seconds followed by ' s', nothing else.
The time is 1 h 56 min
